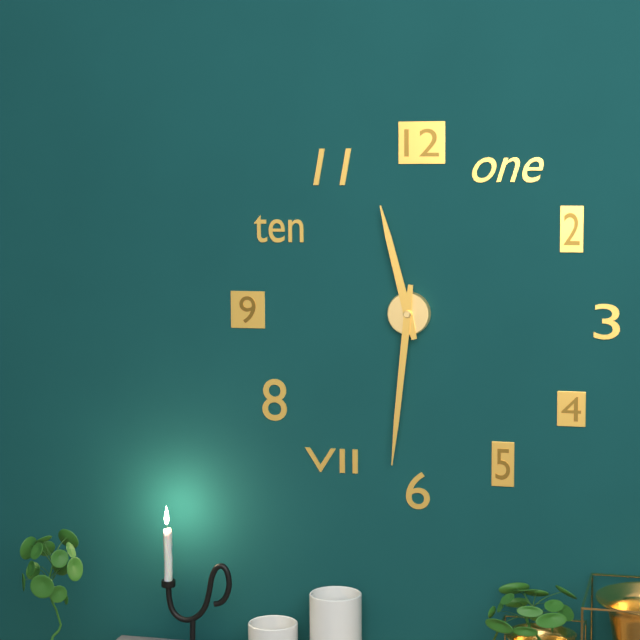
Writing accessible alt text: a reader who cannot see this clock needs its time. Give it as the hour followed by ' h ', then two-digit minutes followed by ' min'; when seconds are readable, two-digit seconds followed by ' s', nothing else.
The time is 11 h 31 min
